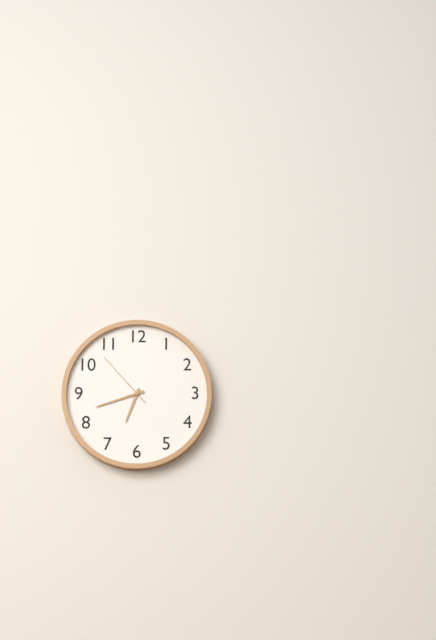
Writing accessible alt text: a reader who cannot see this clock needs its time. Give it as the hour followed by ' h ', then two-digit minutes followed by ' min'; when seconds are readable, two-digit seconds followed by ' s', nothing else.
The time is 6 h 42 min 53 s
